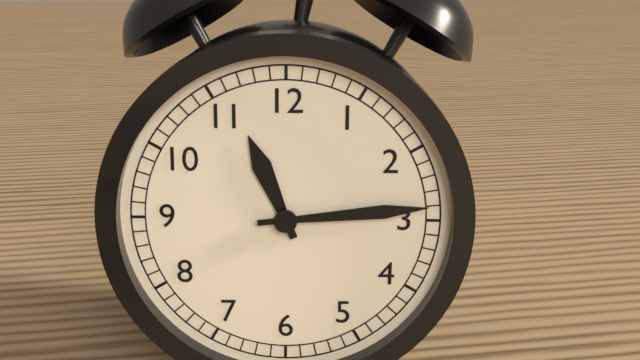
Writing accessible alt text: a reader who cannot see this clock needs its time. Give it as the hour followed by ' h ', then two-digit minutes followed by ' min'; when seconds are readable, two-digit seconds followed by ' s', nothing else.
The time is 11 h 14 min
